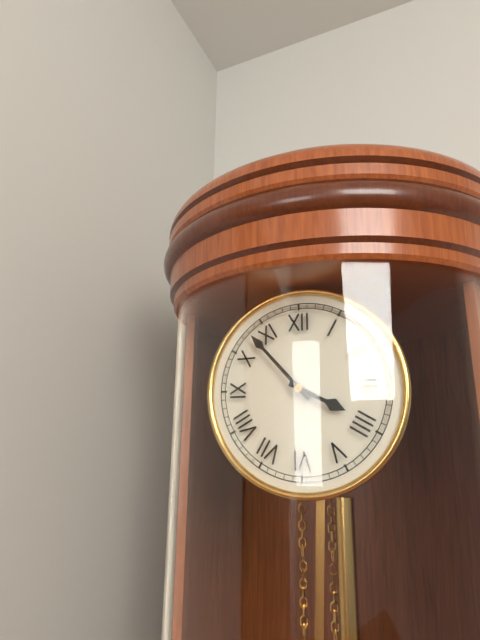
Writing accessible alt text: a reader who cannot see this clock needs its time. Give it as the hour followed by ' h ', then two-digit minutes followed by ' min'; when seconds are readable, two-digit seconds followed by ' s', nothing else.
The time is 3 h 53 min
